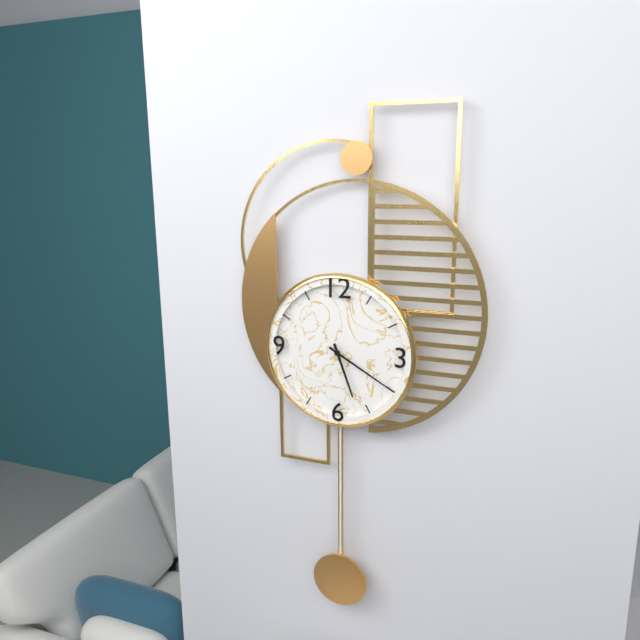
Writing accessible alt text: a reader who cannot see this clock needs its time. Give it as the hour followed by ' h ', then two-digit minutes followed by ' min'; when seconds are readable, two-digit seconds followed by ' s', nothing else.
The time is 5 h 20 min
